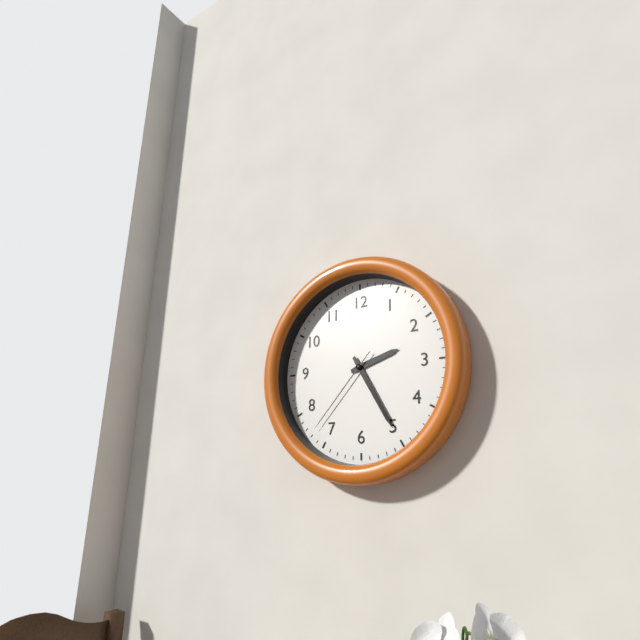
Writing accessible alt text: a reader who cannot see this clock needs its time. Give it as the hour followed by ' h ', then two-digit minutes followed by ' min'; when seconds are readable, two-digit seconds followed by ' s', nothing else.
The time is 2 h 25 min 37 s
